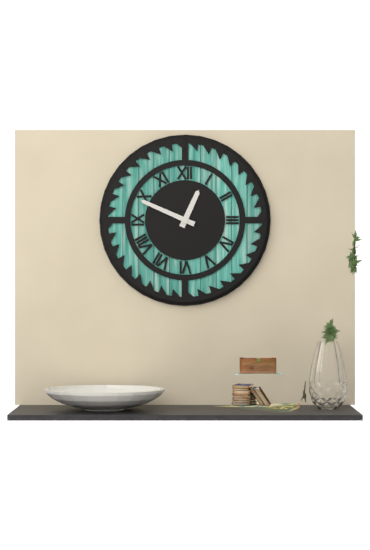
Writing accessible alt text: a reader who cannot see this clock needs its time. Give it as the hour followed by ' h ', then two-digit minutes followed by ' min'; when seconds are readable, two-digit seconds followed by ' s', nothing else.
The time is 12 h 49 min
